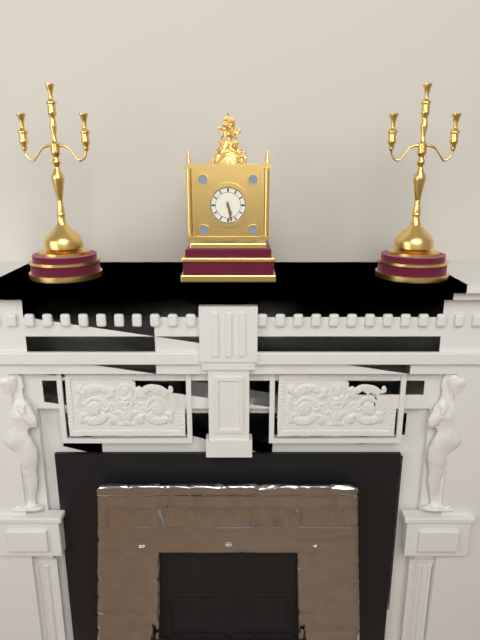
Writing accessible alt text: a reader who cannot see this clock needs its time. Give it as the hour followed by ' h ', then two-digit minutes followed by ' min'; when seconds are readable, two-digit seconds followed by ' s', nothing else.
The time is 5 h 28 min
